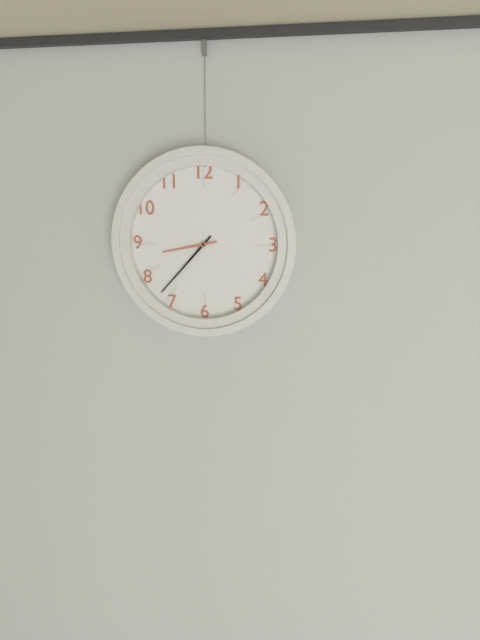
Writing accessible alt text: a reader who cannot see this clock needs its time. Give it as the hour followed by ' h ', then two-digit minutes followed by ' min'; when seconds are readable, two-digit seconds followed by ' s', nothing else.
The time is 8 h 37 min
